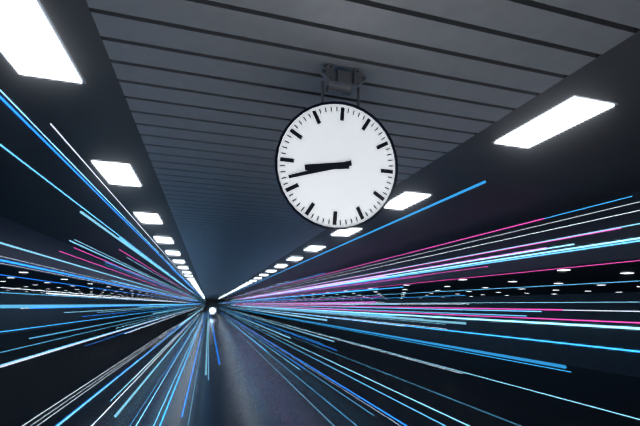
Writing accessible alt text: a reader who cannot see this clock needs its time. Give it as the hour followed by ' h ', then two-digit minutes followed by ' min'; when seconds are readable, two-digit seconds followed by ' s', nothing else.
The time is 8 h 42 min
